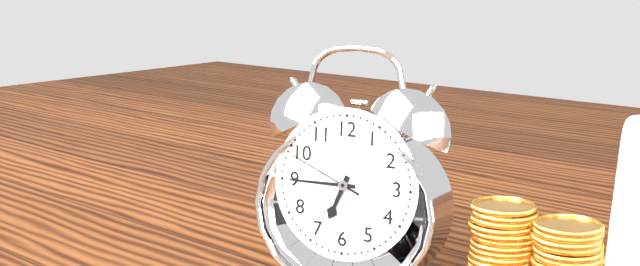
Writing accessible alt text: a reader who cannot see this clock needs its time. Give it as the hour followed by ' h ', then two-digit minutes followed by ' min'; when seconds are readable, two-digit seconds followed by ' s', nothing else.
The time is 6 h 45 min 49 s
